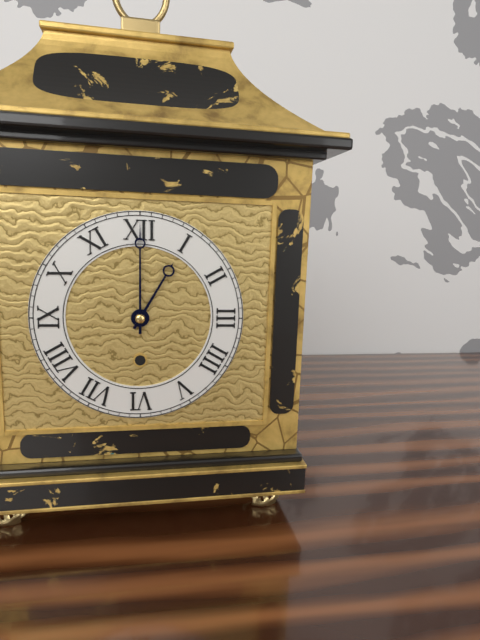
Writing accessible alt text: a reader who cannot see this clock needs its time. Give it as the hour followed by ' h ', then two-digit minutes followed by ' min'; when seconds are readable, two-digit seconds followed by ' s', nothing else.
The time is 1 h 00 min
